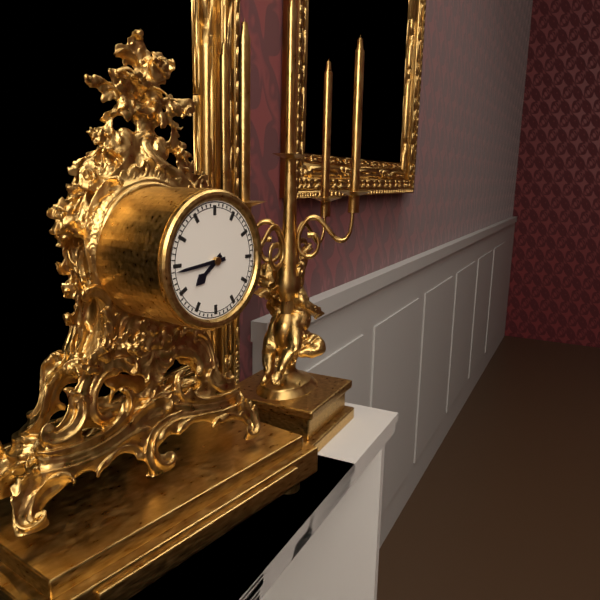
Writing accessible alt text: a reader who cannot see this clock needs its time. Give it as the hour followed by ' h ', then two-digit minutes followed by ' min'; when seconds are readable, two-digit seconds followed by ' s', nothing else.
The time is 7 h 44 min
